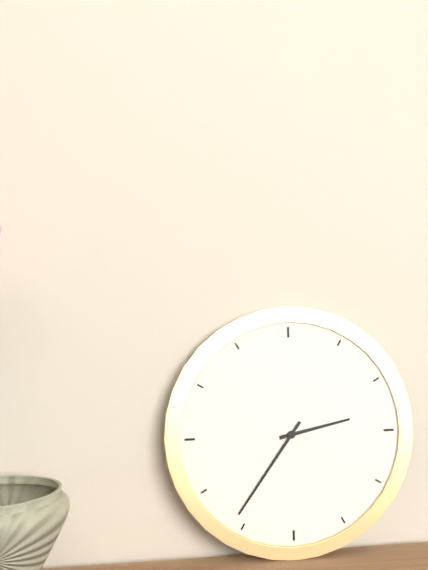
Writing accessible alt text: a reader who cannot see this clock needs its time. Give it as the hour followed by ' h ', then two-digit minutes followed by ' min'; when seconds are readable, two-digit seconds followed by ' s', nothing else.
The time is 2 h 36 min
